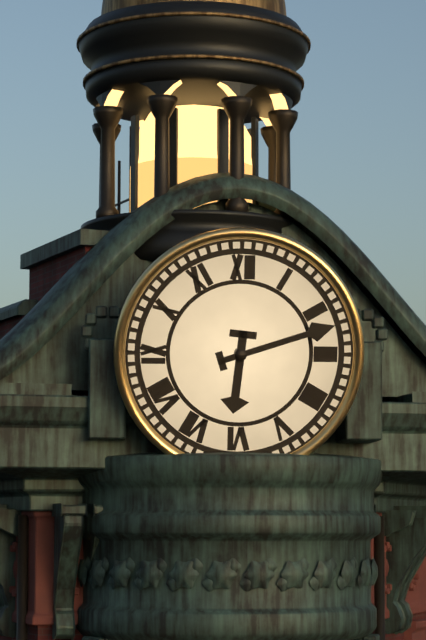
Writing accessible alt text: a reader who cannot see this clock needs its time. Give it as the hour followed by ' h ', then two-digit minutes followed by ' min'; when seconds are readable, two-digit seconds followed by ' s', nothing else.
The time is 6 h 12 min
